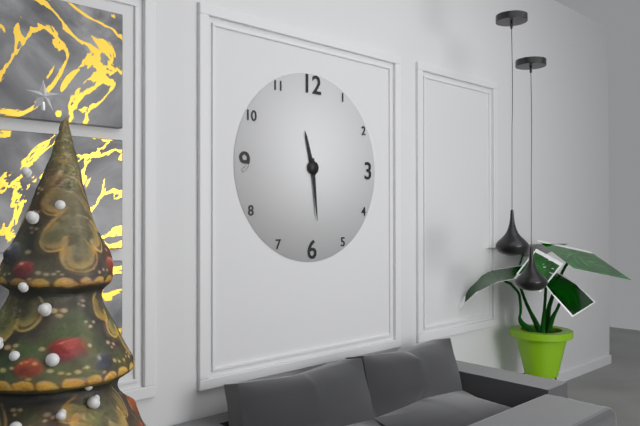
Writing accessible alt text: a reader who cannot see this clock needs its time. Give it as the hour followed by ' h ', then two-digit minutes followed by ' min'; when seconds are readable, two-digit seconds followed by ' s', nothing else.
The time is 11 h 29 min
